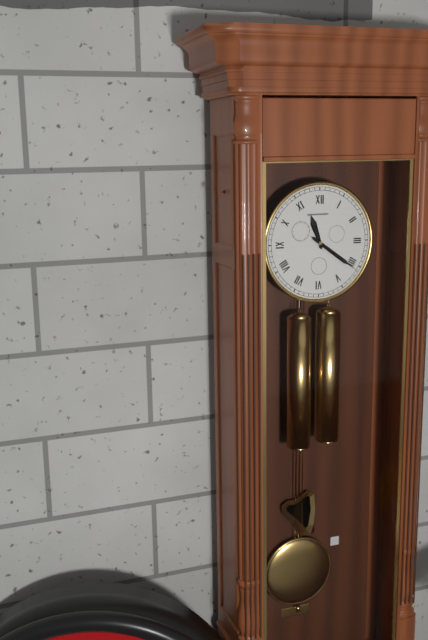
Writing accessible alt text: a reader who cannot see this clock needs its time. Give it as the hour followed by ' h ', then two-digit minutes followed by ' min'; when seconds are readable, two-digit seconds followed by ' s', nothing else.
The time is 11 h 21 min
